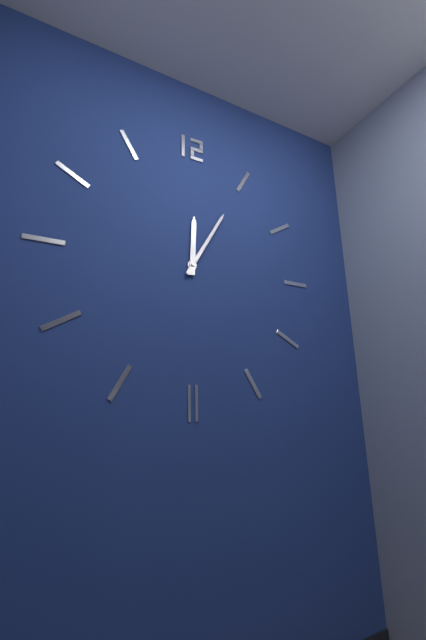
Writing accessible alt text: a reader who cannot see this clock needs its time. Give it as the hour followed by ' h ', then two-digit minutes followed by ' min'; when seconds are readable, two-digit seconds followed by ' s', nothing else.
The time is 12 h 05 min
